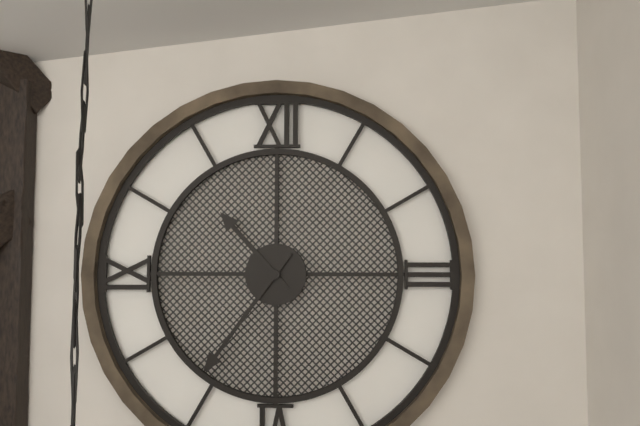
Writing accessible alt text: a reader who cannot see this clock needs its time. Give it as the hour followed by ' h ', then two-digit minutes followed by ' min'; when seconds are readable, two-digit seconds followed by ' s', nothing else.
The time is 10 h 36 min
